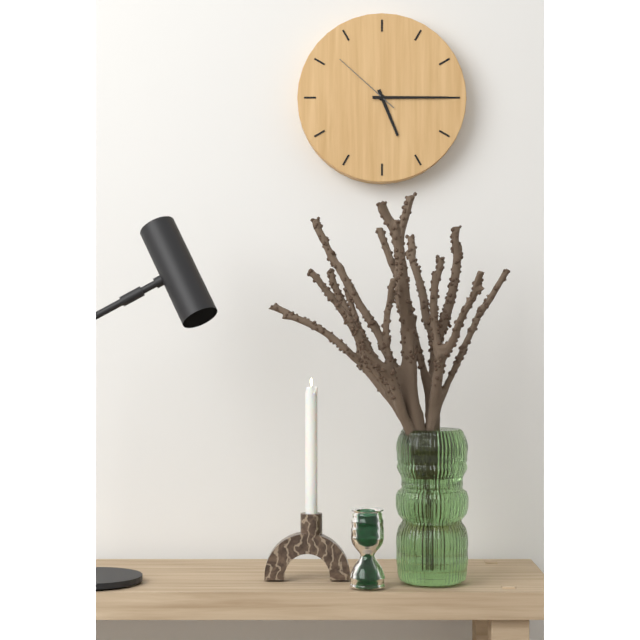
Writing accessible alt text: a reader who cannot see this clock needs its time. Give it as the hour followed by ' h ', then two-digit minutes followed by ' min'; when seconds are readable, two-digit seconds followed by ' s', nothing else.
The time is 5 h 15 min 52 s
